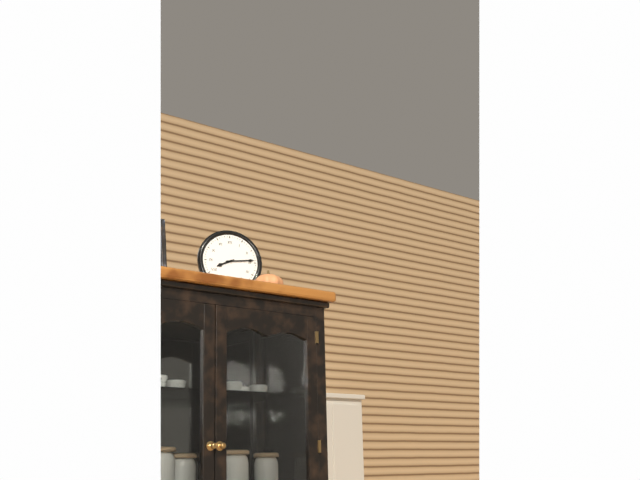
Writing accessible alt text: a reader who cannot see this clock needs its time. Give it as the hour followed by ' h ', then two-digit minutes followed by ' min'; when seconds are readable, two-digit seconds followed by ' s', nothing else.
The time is 8 h 14 min
